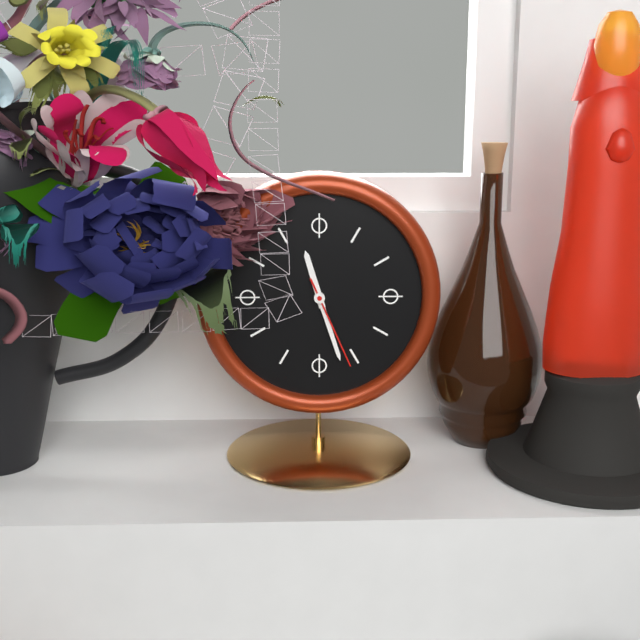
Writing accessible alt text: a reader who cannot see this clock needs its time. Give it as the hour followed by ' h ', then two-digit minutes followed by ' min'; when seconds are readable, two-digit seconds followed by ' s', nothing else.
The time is 11 h 27 min 26 s
